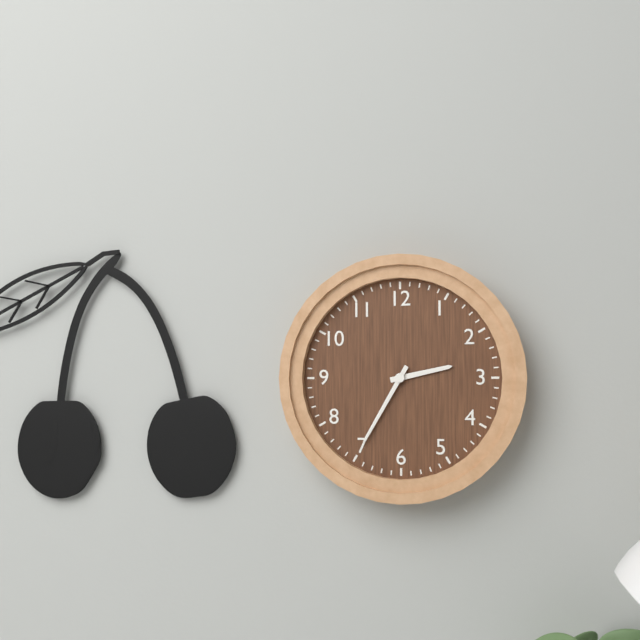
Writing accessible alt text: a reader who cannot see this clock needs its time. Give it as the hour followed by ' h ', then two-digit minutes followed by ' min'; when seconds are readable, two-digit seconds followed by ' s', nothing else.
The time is 2 h 35 min
